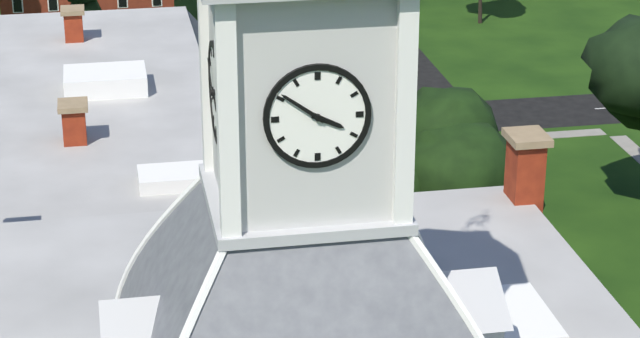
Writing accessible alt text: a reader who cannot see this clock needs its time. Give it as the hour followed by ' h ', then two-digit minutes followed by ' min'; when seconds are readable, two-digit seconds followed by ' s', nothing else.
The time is 3 h 51 min
